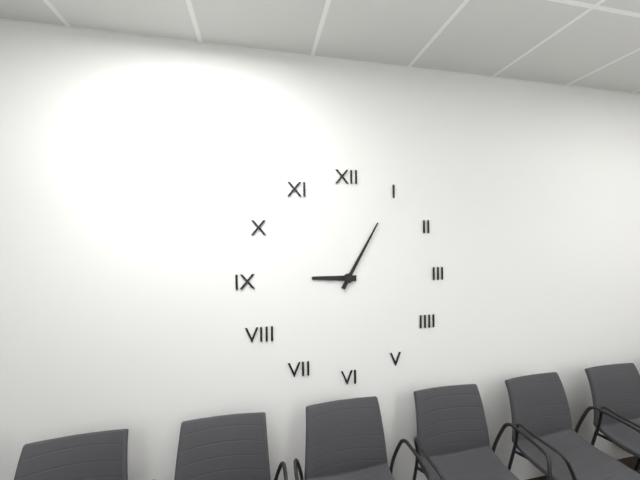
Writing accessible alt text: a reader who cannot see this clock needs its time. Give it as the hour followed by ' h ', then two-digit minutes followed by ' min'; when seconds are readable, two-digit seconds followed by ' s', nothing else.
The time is 9 h 05 min
